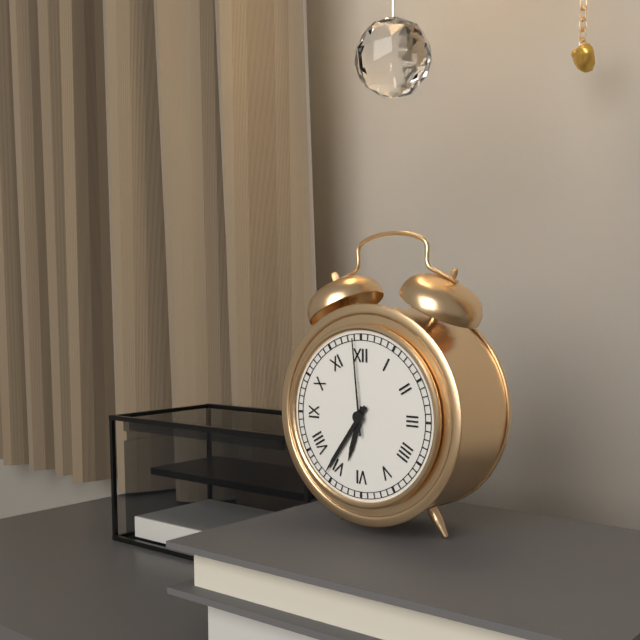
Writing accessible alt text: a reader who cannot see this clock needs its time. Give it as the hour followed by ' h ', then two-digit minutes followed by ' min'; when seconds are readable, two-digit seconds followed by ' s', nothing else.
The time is 6 h 36 min 59 s
